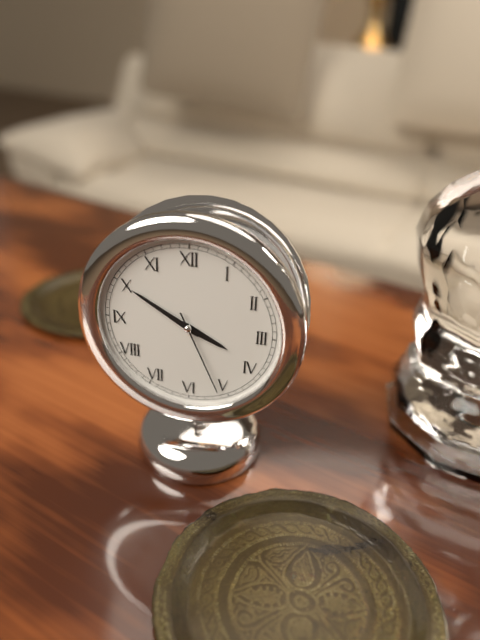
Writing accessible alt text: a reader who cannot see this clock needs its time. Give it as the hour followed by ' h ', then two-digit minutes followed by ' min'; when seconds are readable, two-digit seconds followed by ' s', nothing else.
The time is 3 h 50 min 26 s
